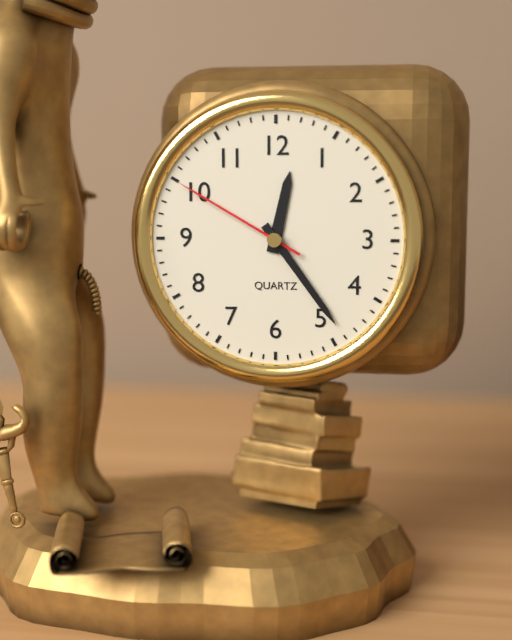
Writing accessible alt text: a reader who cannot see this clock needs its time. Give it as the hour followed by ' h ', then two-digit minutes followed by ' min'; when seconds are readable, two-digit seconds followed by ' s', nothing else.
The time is 12 h 24 min 50 s
